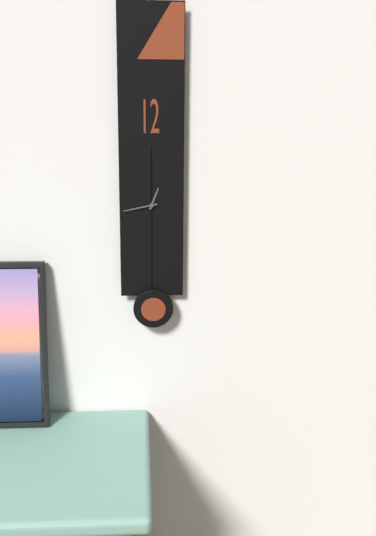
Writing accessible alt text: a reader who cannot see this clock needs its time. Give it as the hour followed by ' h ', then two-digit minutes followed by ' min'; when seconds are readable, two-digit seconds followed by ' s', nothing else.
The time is 12 h 43 min
